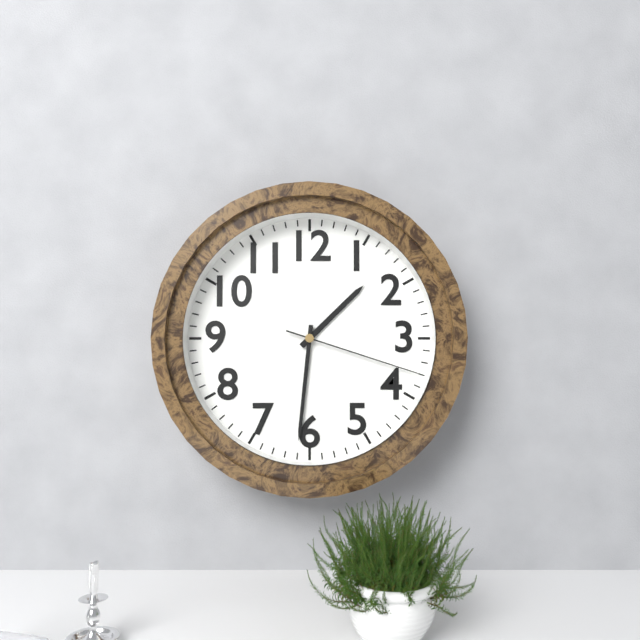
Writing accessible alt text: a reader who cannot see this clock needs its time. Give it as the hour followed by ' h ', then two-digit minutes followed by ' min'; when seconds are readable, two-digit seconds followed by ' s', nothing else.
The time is 1 h 31 min 18 s
